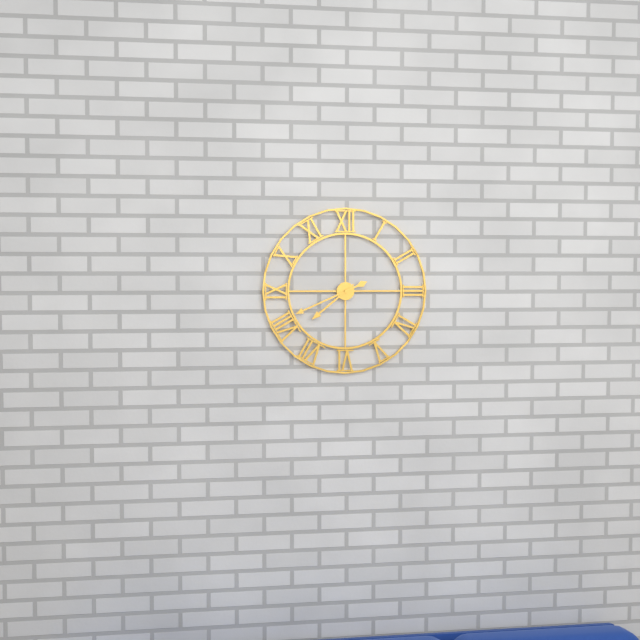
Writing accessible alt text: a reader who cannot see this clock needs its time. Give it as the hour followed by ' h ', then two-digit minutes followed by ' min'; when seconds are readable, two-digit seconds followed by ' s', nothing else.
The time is 7 h 41 min
